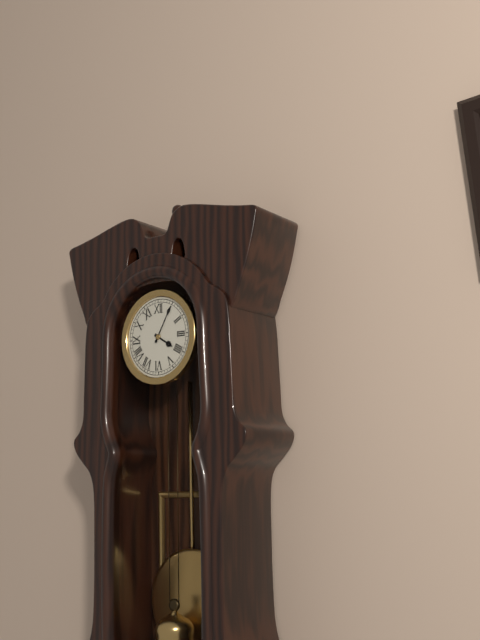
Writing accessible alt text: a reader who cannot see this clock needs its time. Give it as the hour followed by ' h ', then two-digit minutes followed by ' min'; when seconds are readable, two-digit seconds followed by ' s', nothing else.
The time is 4 h 05 min
